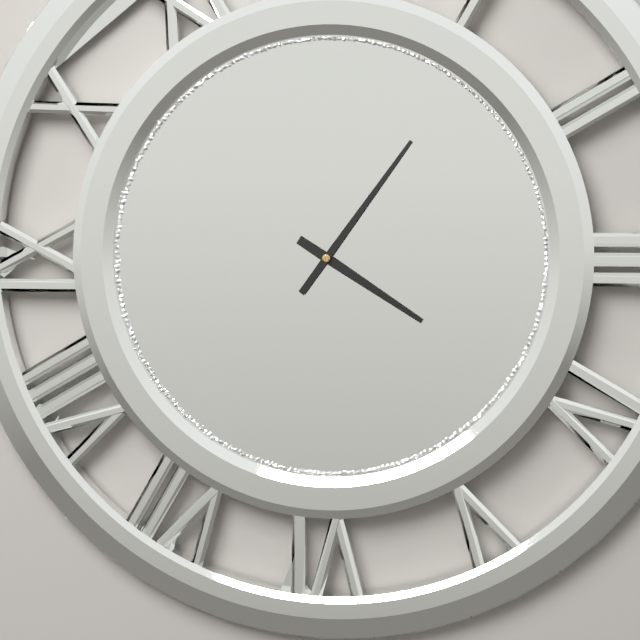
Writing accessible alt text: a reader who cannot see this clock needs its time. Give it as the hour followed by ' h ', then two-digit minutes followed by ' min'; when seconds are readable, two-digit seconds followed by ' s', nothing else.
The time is 4 h 06 min
